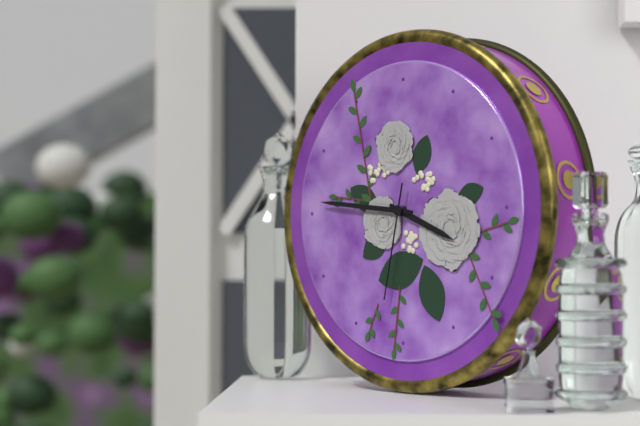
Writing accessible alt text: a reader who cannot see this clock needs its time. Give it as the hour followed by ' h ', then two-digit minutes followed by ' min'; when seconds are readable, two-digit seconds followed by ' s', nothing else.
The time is 3 h 46 min 32 s
